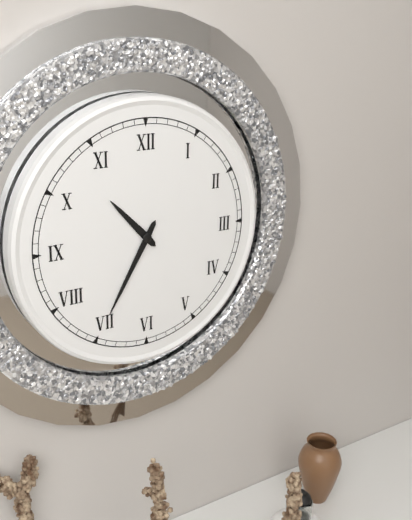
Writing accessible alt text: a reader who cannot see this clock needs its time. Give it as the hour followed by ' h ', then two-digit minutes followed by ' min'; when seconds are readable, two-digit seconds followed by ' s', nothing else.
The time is 10 h 35 min
